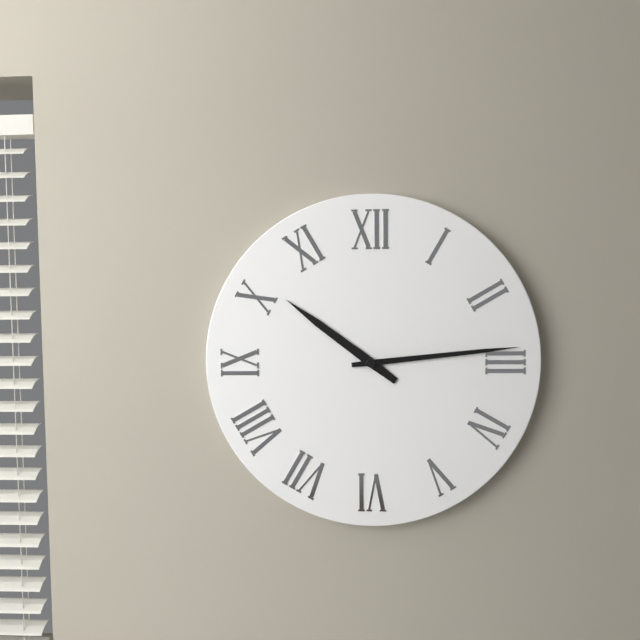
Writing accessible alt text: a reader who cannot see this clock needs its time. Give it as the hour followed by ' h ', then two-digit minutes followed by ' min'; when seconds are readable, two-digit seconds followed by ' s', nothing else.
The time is 10 h 14 min
